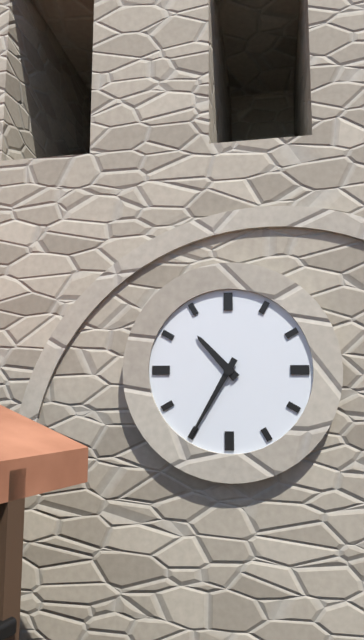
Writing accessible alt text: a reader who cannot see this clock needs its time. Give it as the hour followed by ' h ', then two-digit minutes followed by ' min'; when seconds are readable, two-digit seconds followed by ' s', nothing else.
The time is 10 h 35 min
